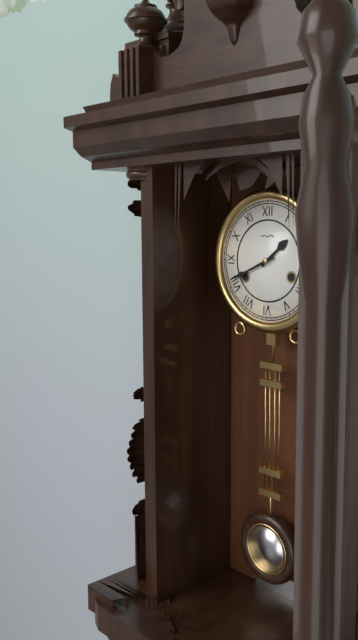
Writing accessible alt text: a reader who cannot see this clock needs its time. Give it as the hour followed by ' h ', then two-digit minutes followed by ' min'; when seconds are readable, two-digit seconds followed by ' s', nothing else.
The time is 1 h 41 min
